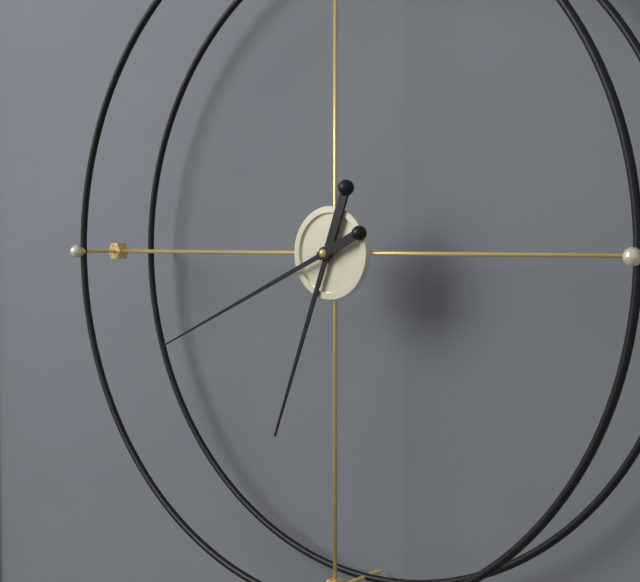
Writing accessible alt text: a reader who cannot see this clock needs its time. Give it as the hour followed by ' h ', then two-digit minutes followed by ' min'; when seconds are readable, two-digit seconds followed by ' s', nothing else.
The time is 6 h 41 min
